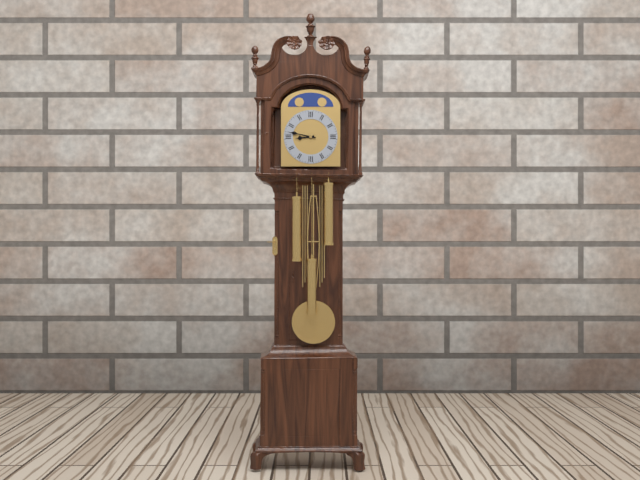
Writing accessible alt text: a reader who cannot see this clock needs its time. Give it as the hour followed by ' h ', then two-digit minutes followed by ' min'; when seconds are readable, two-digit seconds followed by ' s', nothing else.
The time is 8 h 47 min
